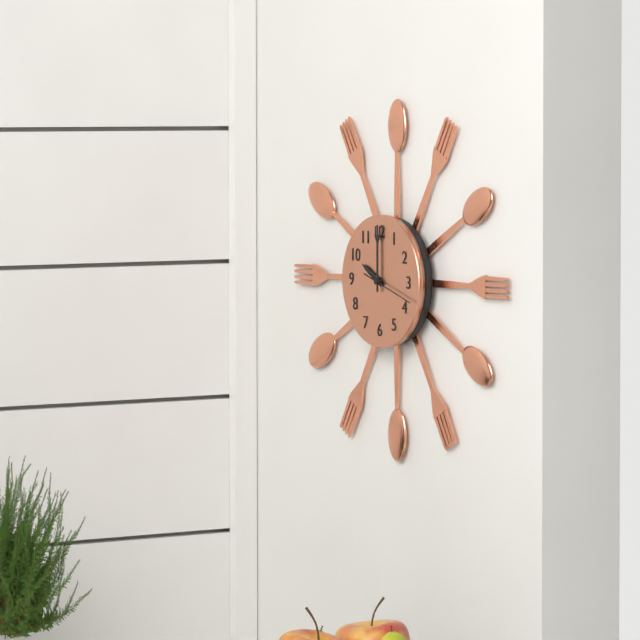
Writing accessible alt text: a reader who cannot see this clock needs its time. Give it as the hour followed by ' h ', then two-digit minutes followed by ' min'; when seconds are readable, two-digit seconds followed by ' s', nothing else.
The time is 10 h 00 min
